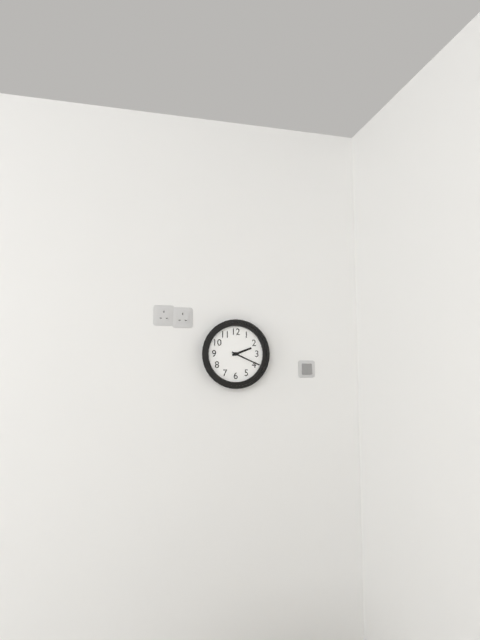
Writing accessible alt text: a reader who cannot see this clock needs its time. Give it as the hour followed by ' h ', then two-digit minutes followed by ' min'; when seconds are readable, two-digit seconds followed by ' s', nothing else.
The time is 2 h 19 min
